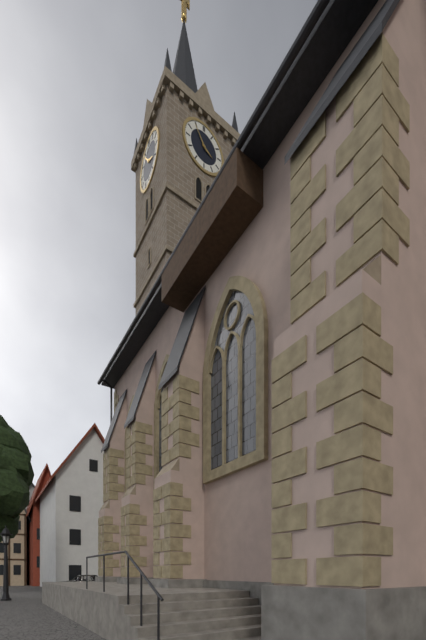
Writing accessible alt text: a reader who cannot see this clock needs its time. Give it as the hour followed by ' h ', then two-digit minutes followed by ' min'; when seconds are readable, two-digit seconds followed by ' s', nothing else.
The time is 3 h 54 min
